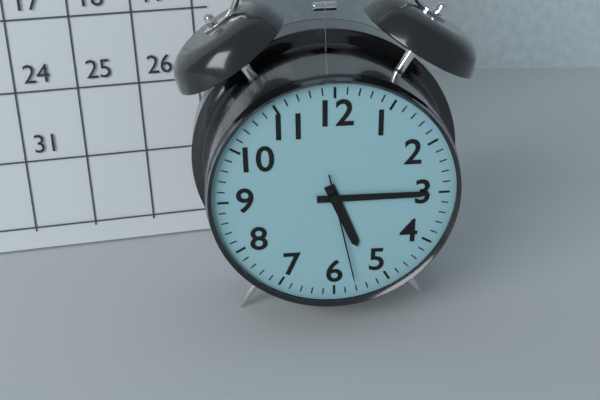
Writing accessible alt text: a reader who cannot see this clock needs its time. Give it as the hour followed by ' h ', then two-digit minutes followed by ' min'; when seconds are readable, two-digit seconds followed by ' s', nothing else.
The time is 5 h 15 min 28 s
